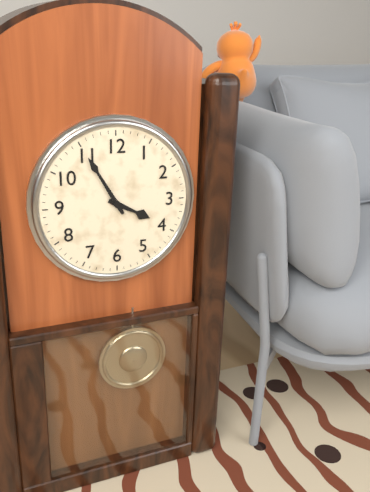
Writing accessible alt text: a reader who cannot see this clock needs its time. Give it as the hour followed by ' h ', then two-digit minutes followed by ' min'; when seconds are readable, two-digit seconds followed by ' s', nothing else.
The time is 3 h 55 min
